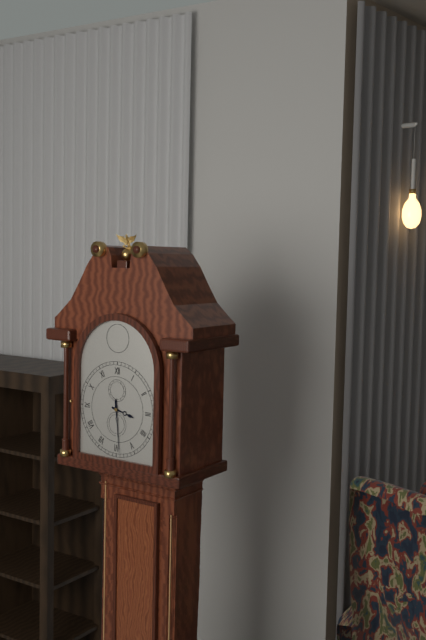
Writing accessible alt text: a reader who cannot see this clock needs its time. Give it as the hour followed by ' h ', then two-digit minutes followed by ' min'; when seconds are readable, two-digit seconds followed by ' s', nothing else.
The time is 3 h 29 min
